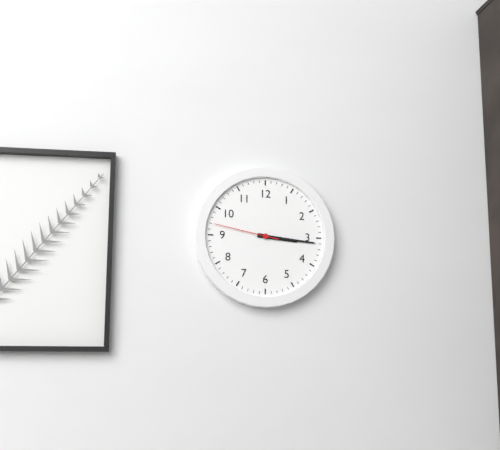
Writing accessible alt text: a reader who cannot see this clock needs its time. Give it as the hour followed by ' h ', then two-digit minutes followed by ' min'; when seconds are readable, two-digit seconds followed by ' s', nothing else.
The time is 3 h 16 min 47 s
